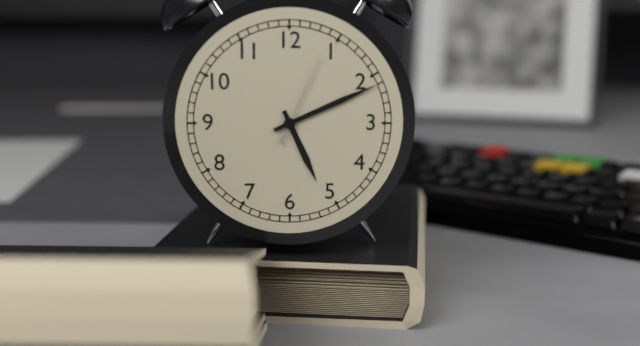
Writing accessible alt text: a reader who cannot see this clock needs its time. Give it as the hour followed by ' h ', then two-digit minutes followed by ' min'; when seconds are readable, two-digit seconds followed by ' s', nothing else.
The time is 5 h 11 min 04 s
